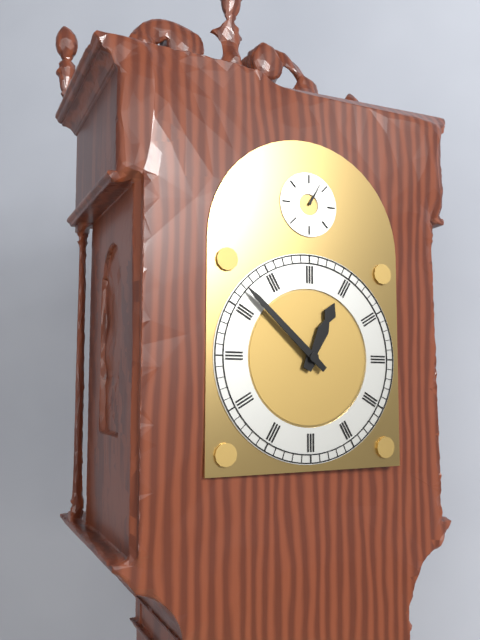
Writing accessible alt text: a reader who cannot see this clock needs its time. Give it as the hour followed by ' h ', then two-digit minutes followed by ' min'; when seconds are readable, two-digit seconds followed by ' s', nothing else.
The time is 12 h 52 min
